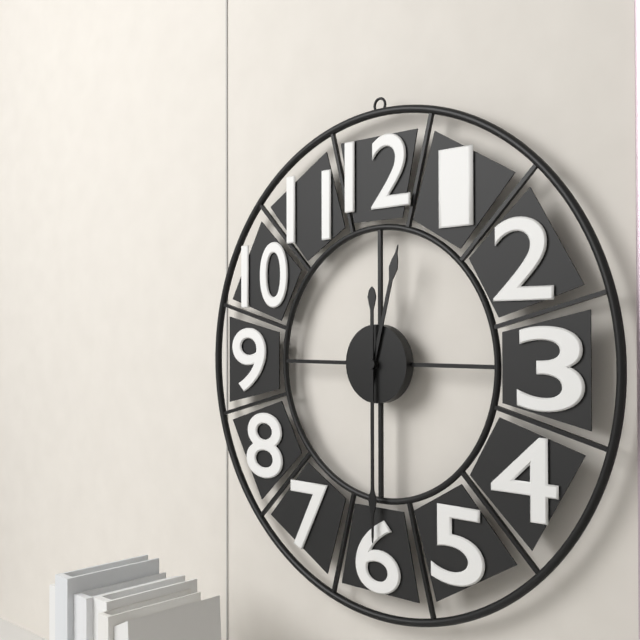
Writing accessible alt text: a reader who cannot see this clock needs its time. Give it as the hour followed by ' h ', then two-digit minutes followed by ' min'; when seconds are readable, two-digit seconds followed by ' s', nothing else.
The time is 12 h 30 min
